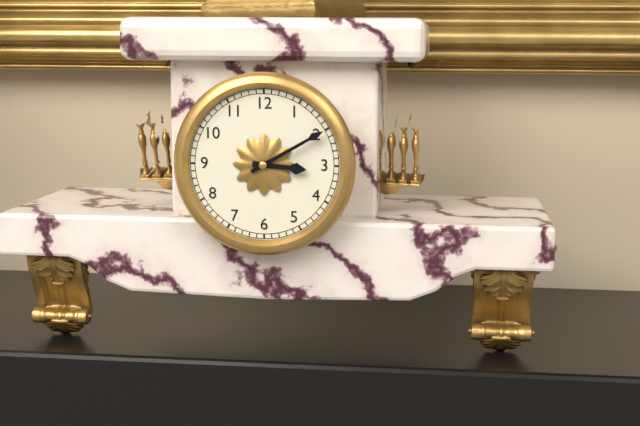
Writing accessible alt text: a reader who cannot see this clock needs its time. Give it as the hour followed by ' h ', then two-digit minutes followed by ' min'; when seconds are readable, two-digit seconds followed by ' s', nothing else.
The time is 3 h 10 min
